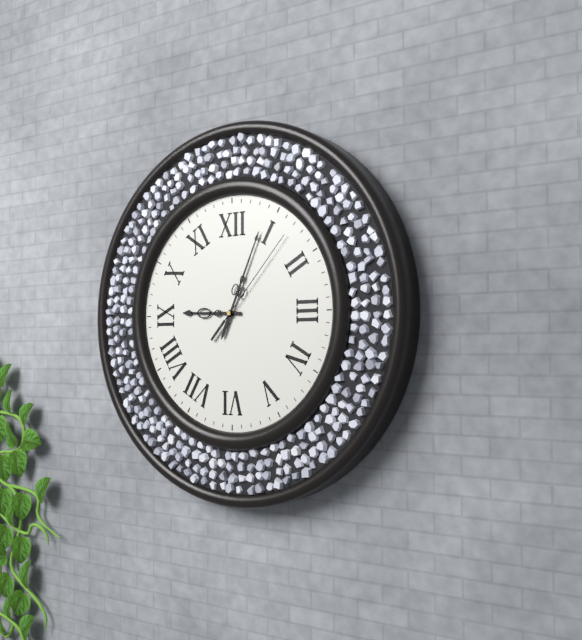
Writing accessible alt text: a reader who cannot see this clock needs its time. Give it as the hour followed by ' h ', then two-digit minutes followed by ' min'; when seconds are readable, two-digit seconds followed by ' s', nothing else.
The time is 9 h 04 min 07 s
